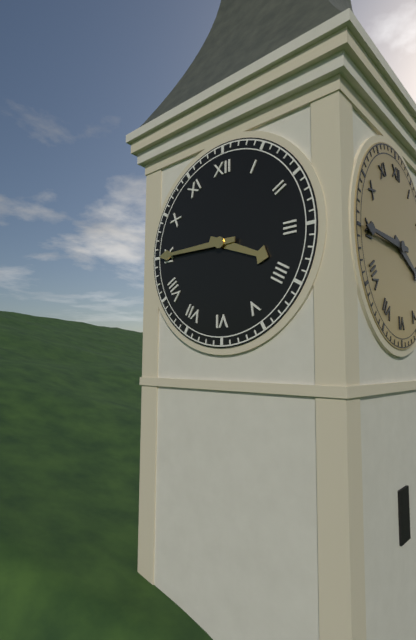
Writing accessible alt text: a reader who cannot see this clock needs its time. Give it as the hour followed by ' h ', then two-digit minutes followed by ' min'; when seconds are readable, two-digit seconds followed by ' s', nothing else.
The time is 3 h 45 min
